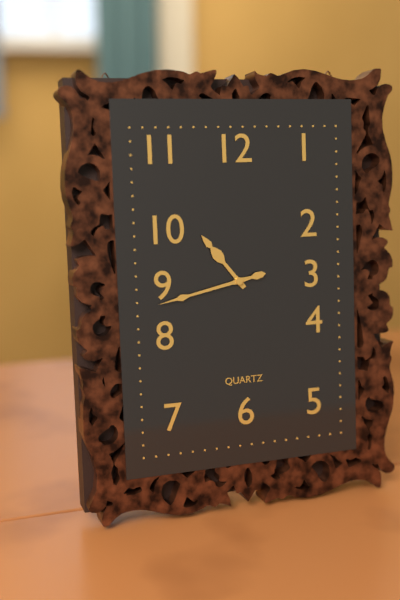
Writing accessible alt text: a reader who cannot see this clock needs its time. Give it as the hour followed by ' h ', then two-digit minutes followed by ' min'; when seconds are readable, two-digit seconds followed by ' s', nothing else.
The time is 10 h 43 min
